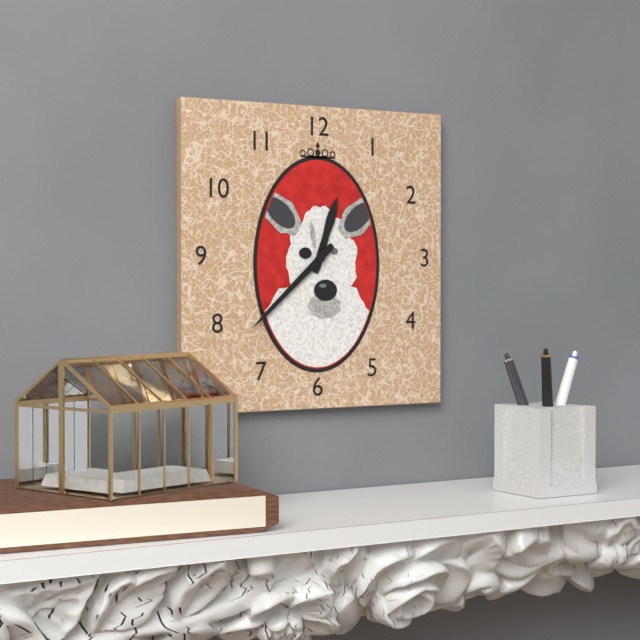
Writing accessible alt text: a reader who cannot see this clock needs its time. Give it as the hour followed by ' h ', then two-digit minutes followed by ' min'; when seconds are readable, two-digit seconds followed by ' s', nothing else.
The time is 12 h 38 min
